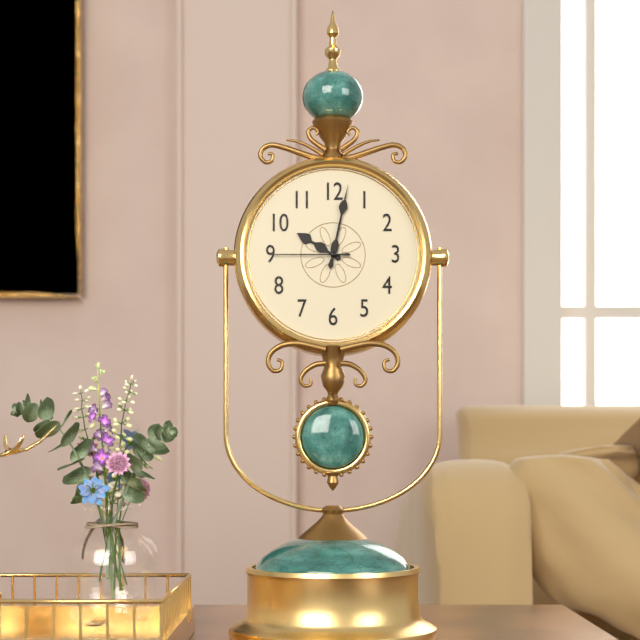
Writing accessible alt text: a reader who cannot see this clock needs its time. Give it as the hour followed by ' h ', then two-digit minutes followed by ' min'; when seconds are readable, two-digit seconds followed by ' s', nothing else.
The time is 10 h 02 min 45 s
